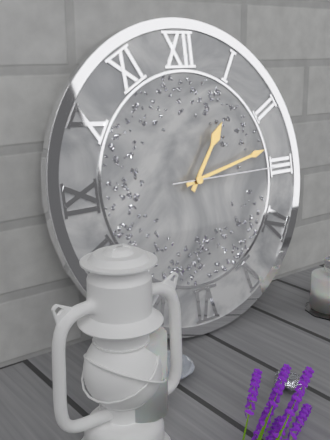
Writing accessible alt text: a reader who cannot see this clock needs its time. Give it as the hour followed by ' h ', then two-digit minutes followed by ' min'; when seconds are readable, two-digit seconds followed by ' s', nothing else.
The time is 1 h 13 min 15 s
